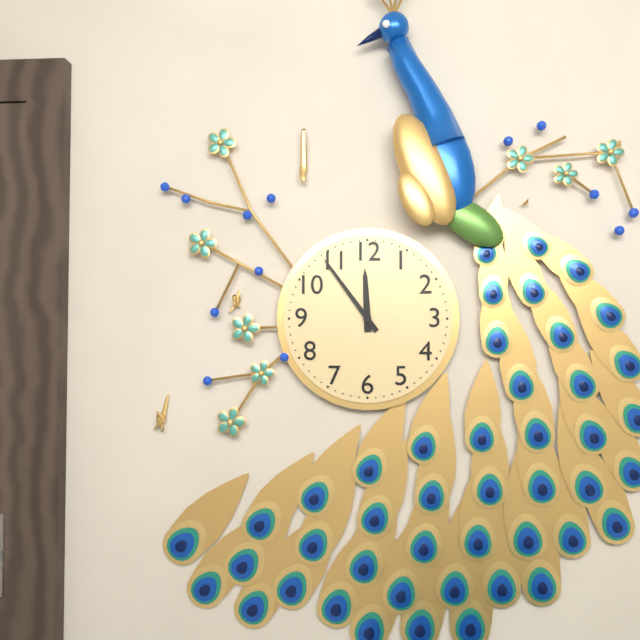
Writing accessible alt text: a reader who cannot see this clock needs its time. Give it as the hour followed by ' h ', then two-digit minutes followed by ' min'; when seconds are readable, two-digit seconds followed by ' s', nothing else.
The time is 11 h 54 min
